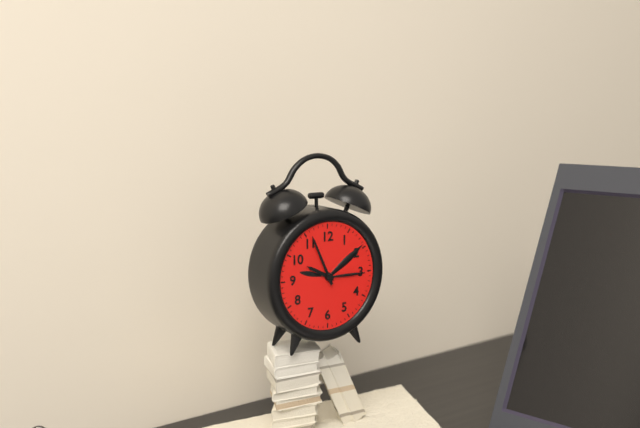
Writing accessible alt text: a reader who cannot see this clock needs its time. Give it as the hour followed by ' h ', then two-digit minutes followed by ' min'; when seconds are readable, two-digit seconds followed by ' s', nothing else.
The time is 9 h 56 min
